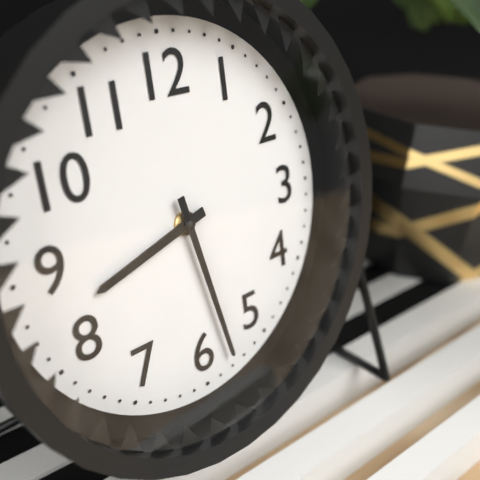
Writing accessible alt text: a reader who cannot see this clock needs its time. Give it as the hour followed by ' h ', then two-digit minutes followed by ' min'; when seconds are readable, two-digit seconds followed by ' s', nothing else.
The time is 8 h 28 min
